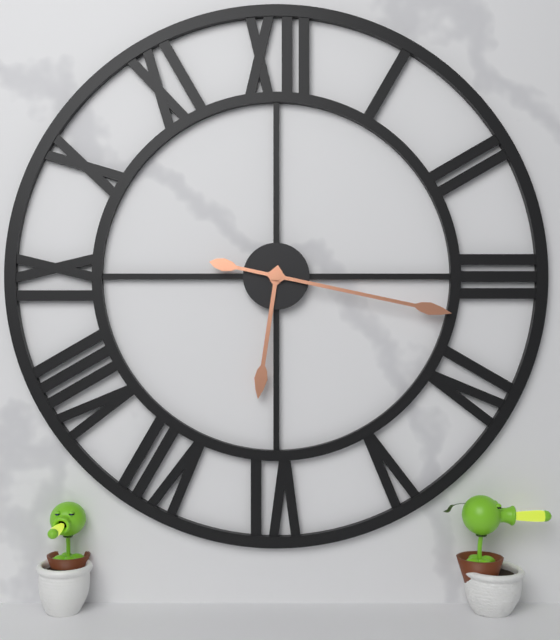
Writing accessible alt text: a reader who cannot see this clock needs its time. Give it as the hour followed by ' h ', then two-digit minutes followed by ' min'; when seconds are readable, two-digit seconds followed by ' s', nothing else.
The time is 6 h 17 min
